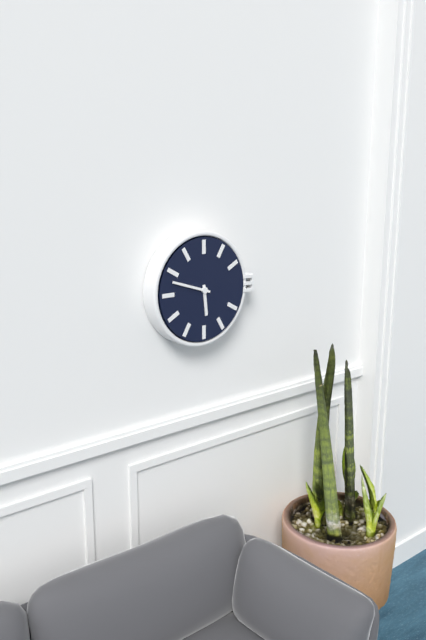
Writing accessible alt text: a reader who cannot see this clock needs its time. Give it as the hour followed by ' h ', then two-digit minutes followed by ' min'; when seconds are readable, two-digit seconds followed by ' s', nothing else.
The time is 5 h 48 min
